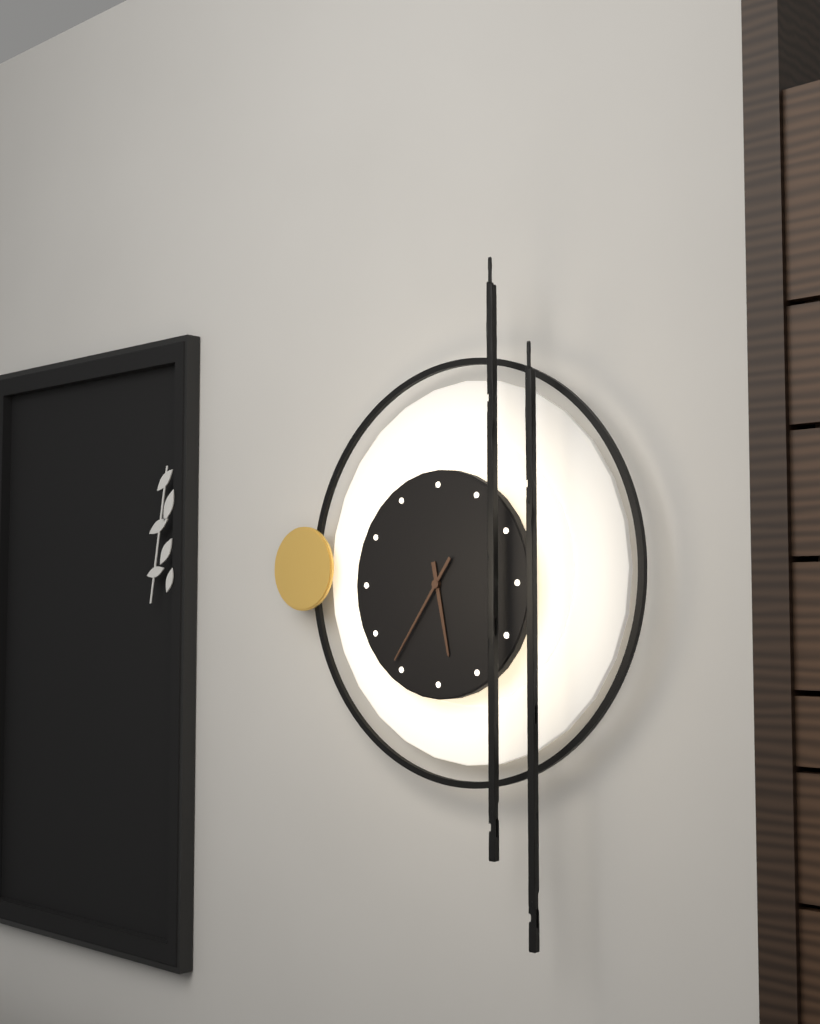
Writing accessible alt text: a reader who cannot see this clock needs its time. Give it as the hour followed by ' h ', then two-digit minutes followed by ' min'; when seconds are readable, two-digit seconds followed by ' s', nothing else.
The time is 5 h 36 min
